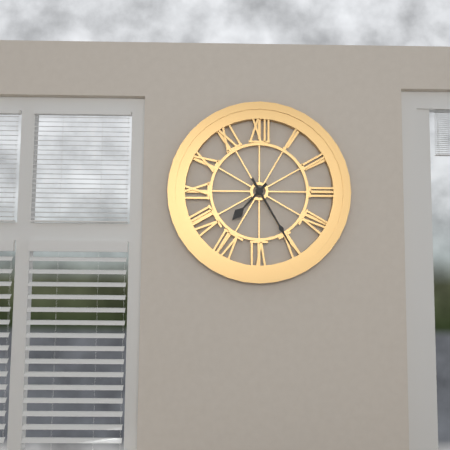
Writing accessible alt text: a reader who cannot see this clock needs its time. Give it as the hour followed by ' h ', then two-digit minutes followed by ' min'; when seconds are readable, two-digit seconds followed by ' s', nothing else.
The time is 7 h 25 min
